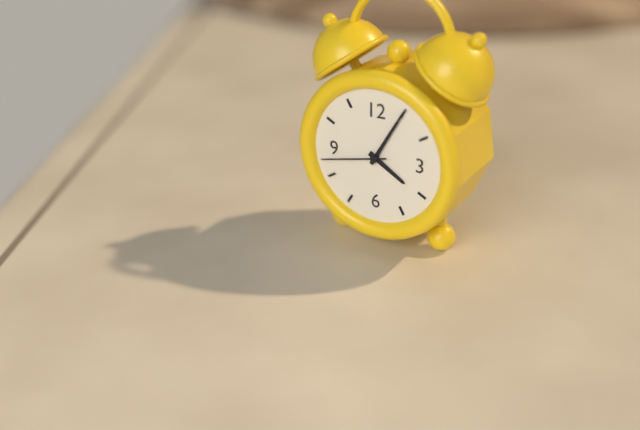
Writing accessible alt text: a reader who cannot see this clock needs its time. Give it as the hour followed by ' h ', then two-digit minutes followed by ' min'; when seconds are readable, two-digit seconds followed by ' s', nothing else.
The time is 4 h 05 min 43 s
